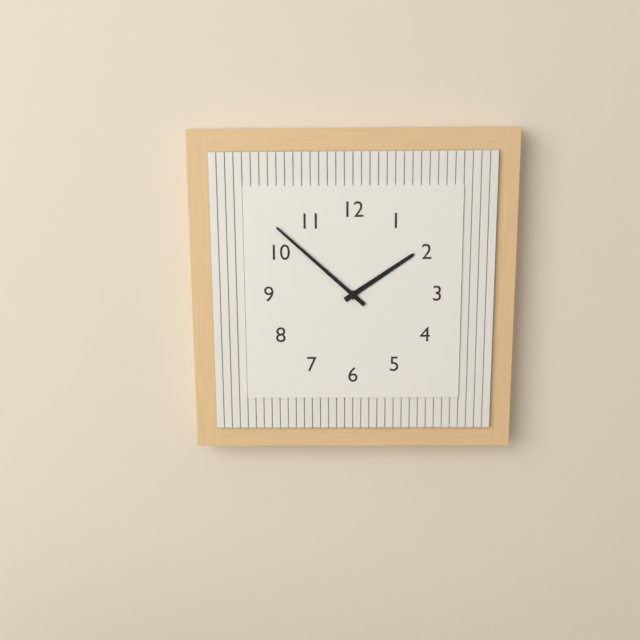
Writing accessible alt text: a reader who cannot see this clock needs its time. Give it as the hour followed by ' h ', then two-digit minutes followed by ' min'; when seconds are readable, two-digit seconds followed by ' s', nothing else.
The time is 1 h 52 min
